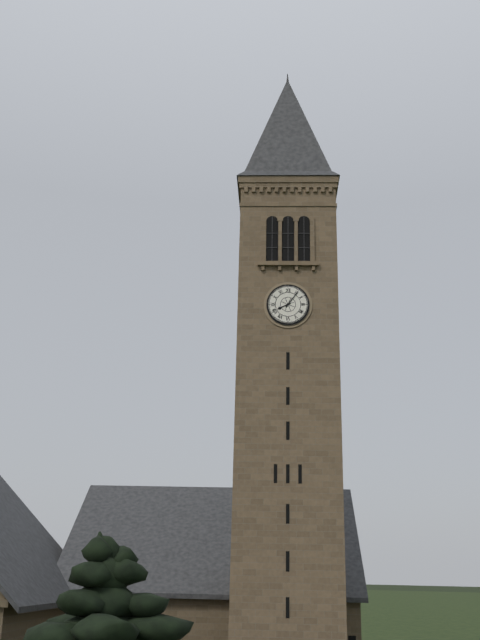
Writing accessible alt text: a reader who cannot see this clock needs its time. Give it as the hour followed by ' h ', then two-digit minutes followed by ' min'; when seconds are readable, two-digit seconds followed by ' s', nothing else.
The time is 8 h 06 min
